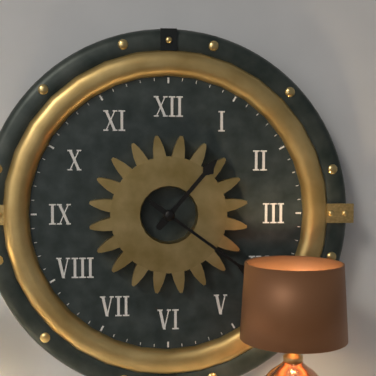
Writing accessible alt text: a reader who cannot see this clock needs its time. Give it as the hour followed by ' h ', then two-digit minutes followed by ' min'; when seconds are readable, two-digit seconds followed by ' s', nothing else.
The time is 1 h 21 min
